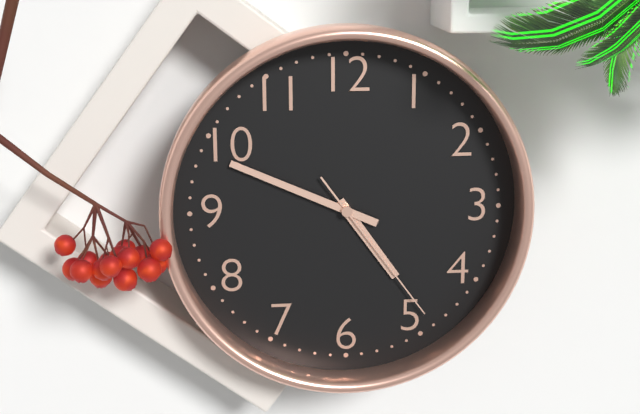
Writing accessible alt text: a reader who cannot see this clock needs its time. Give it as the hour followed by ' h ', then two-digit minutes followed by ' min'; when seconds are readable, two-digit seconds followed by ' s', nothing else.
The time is 4 h 49 min 24 s
